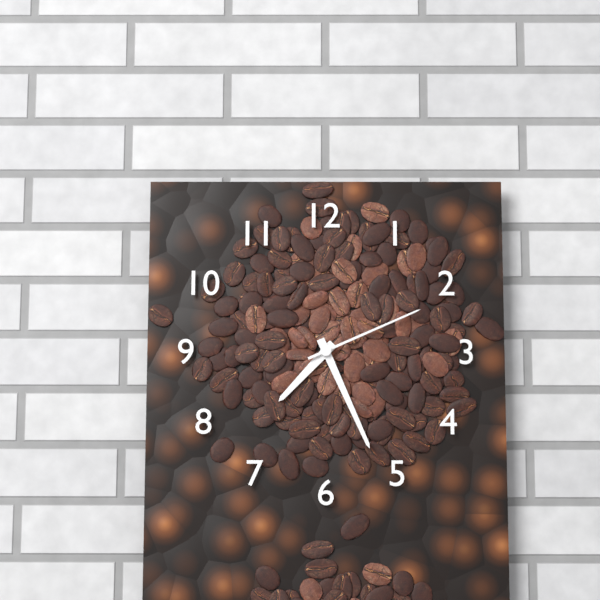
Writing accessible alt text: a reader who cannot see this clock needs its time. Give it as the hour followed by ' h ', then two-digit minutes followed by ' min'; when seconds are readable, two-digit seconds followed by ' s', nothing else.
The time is 7 h 26 min 11 s
